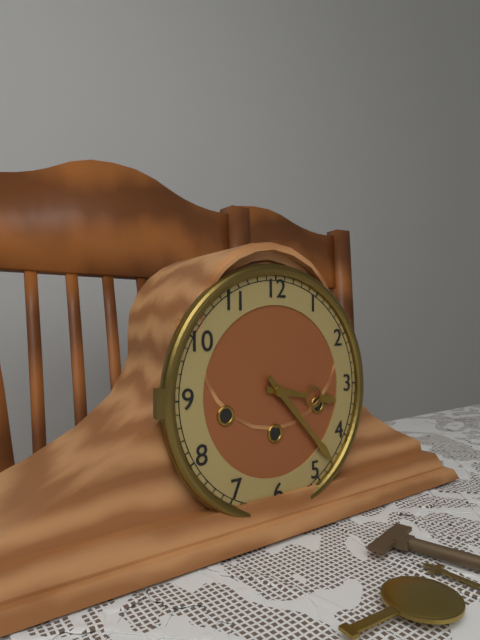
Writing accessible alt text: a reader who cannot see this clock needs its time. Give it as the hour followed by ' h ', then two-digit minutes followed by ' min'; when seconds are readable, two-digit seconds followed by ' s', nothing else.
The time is 3 h 23 min
